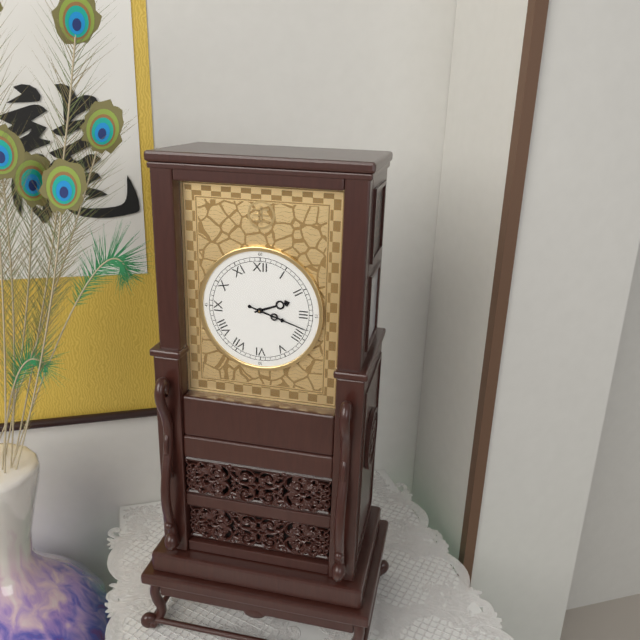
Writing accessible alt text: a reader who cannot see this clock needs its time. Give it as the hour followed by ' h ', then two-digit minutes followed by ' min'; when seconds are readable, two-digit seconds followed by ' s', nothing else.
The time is 2 h 18 min
